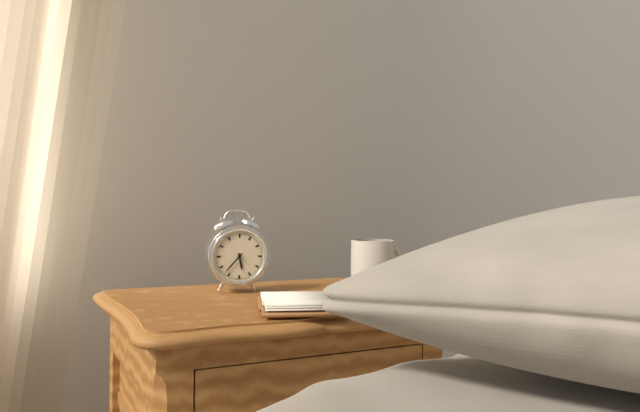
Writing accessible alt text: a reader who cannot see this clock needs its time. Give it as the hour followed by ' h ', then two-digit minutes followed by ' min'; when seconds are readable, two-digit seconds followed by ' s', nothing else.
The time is 5 h 37 min
